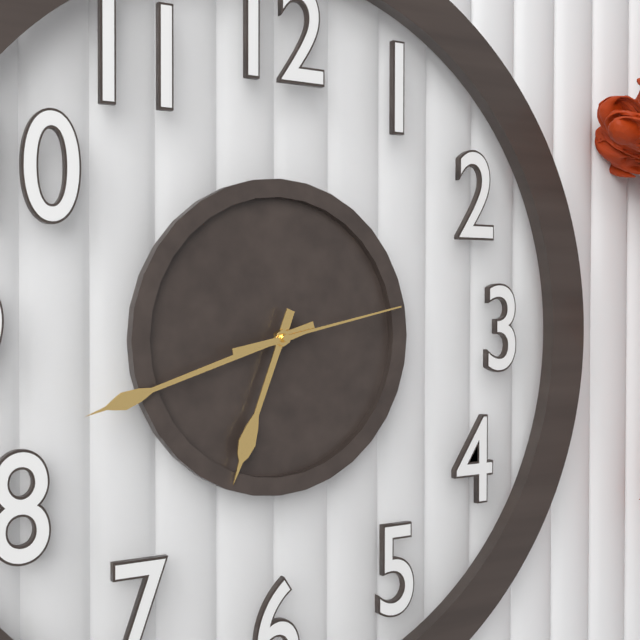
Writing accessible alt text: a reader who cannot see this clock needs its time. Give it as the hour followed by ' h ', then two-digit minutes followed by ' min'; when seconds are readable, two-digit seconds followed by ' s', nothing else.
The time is 6 h 42 min 13 s
